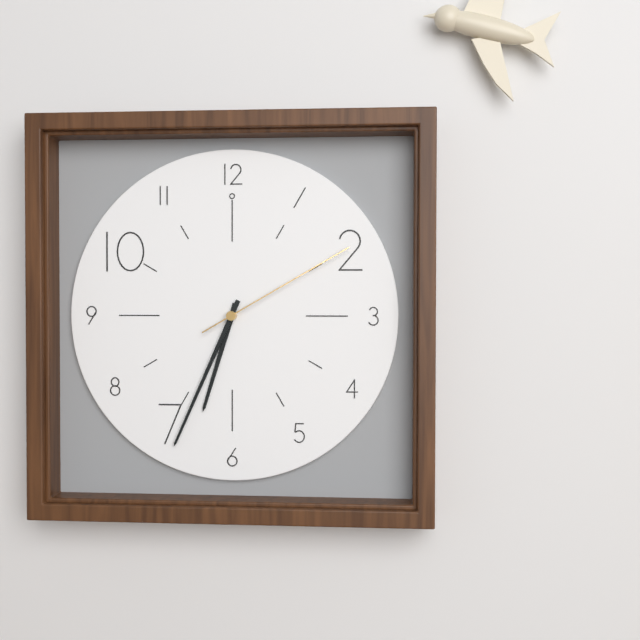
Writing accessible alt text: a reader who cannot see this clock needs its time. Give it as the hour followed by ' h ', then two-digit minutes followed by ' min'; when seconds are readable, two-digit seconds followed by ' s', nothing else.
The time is 6 h 34 min 10 s
